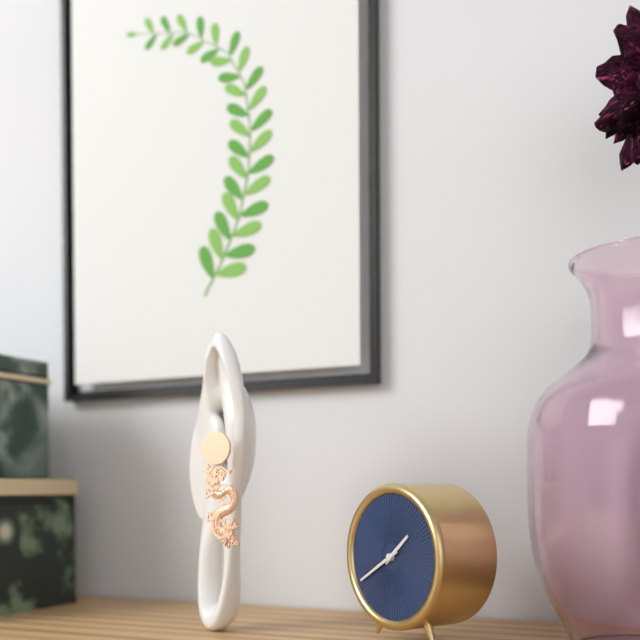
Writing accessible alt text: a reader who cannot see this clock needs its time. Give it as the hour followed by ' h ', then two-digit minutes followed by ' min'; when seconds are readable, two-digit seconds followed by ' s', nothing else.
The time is 1 h 40 min
